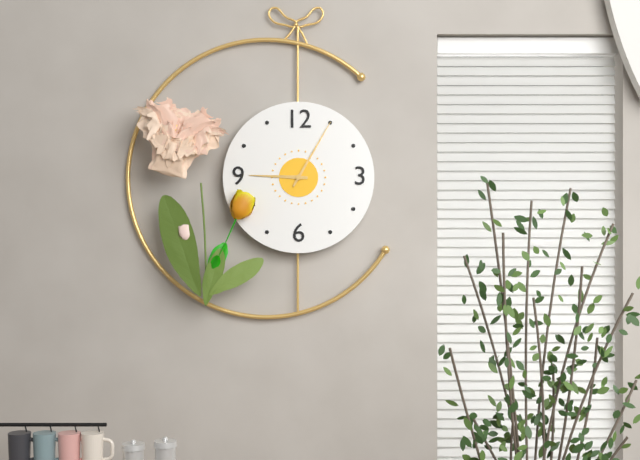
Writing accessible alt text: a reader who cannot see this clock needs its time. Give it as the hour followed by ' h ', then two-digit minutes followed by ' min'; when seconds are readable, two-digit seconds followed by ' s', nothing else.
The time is 9 h 05 min
